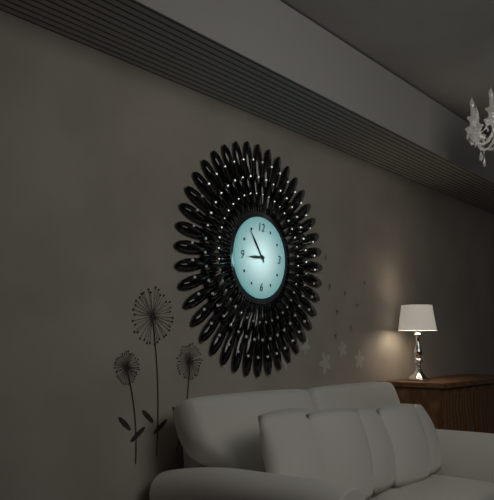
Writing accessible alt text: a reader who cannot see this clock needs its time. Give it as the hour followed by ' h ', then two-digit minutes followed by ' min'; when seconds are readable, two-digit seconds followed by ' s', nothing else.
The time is 8 h 54 min
